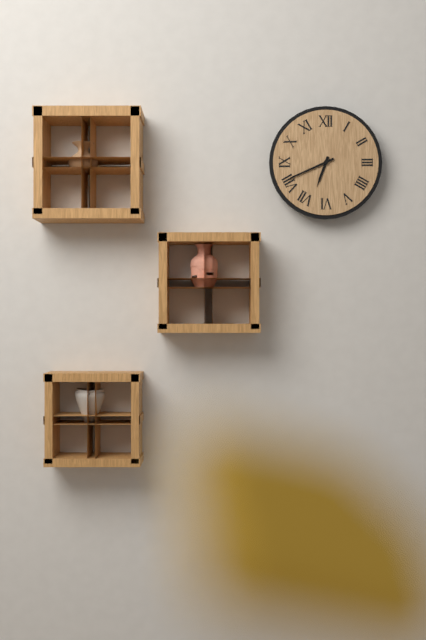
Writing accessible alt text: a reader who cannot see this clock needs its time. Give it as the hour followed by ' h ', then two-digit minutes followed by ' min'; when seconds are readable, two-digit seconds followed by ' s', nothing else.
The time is 6 h 41 min
